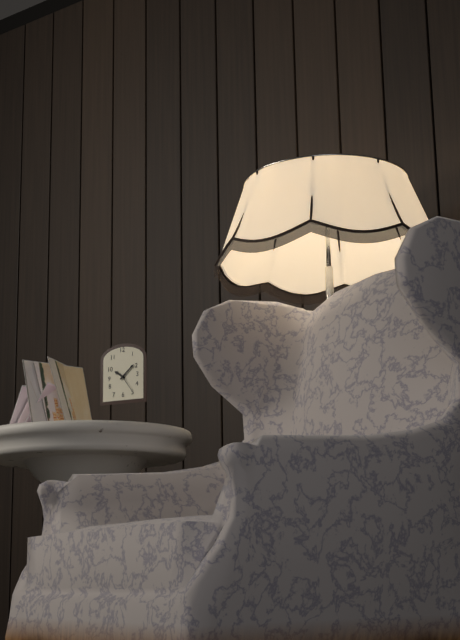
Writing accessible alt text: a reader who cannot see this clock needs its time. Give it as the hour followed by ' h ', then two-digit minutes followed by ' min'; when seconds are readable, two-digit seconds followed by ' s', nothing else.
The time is 10 h 08 min
